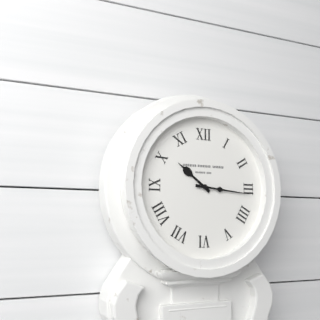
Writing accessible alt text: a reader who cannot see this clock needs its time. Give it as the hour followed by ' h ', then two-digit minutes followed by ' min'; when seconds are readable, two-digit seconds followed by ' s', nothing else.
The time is 10 h 16 min
